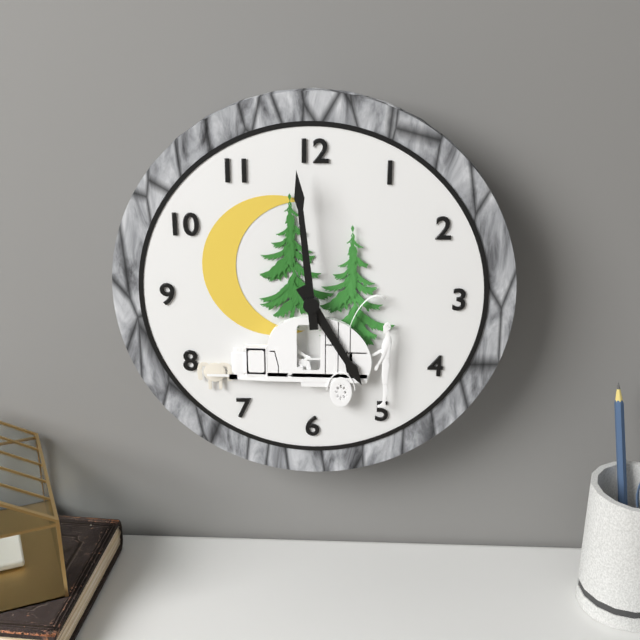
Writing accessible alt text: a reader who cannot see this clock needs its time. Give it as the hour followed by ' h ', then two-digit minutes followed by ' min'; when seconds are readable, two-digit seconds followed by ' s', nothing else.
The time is 4 h 59 min
